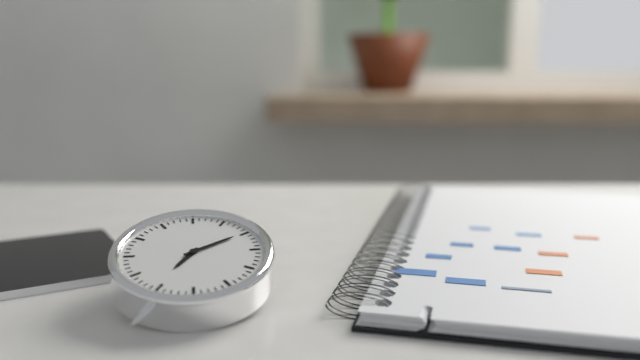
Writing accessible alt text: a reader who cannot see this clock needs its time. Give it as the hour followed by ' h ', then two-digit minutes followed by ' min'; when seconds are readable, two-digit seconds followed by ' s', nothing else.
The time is 7 h 10 min
